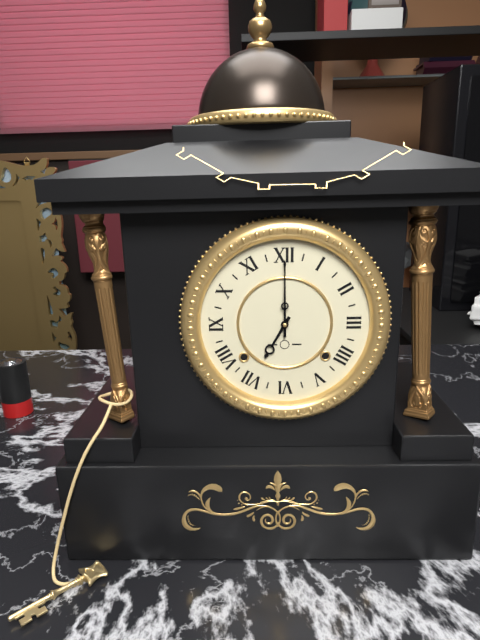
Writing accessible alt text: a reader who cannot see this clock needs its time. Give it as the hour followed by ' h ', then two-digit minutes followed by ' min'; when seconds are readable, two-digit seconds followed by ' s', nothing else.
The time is 7 h 00 min
